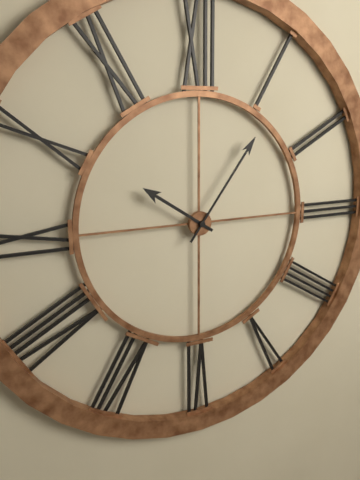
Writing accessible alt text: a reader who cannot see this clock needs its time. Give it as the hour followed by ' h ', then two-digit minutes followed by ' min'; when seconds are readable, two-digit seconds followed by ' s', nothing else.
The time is 10 h 06 min
